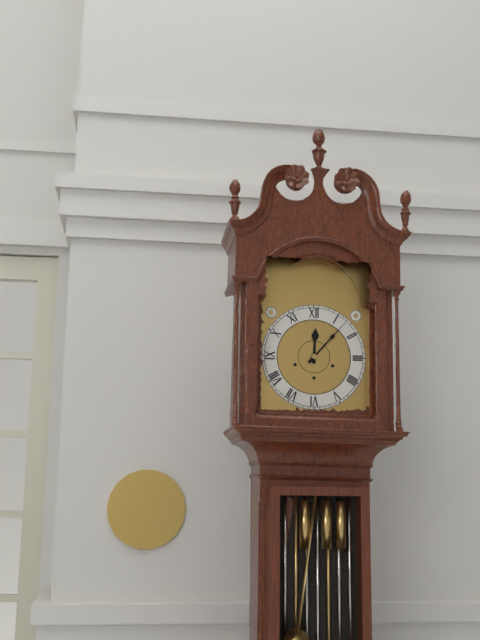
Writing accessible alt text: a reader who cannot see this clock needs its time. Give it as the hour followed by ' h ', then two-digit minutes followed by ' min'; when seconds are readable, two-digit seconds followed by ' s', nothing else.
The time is 12 h 07 min
